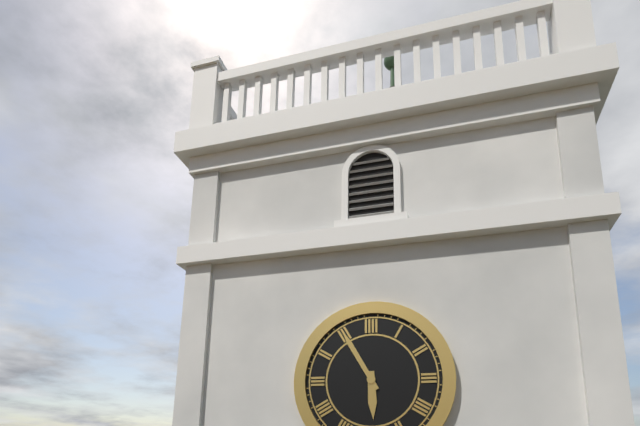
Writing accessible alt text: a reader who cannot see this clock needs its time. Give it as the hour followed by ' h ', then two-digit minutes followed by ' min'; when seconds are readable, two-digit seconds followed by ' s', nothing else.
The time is 5 h 55 min
